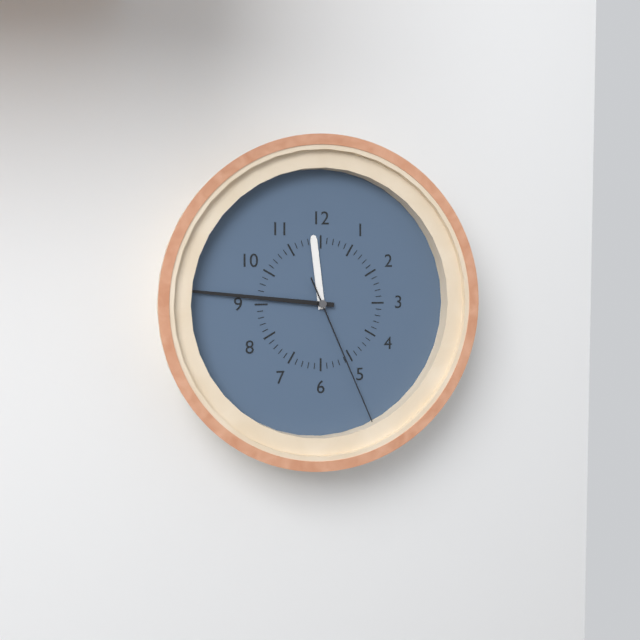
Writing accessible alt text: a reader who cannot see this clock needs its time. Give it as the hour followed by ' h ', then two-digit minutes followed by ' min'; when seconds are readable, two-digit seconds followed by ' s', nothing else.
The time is 11 h 46 min 26 s
